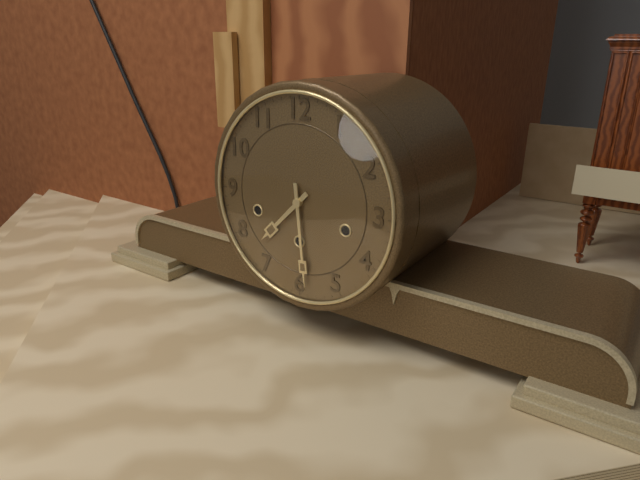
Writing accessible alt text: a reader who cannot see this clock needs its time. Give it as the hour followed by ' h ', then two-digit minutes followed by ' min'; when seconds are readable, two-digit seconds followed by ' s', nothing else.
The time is 7 h 29 min
